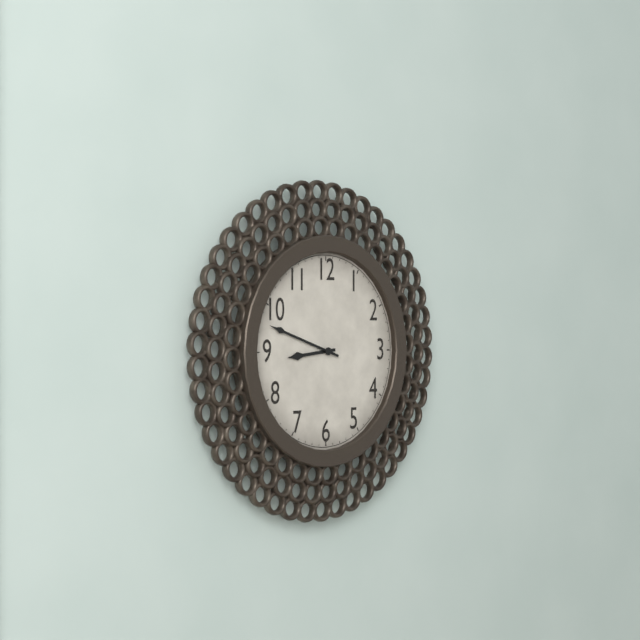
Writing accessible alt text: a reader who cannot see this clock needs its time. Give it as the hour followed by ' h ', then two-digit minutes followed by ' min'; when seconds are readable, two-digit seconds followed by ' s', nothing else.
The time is 8 h 48 min
